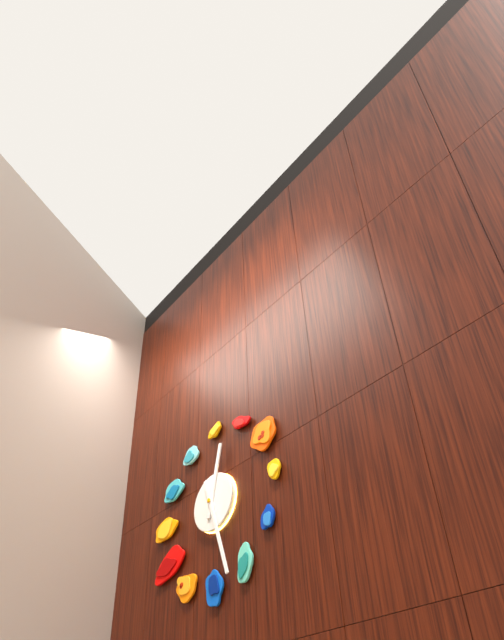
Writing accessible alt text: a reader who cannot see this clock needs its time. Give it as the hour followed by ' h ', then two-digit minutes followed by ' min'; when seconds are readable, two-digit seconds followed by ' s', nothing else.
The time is 12 h 27 min
